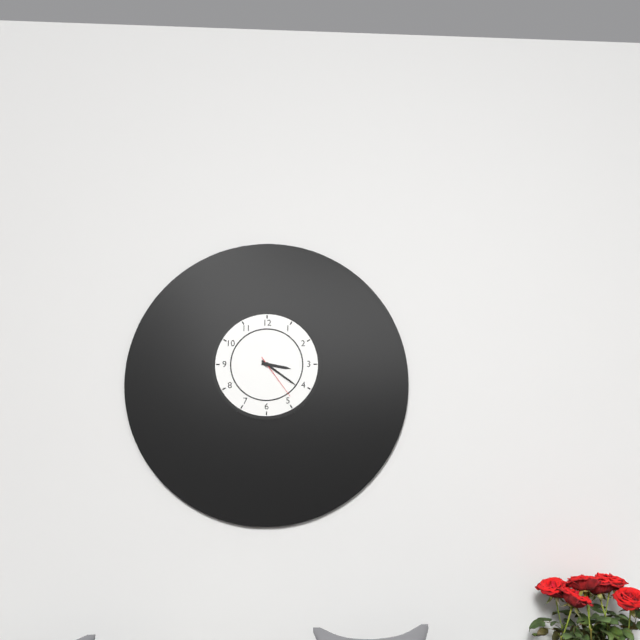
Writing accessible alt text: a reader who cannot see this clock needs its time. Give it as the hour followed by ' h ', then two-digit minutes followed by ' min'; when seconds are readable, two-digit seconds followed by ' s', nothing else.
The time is 3 h 21 min
